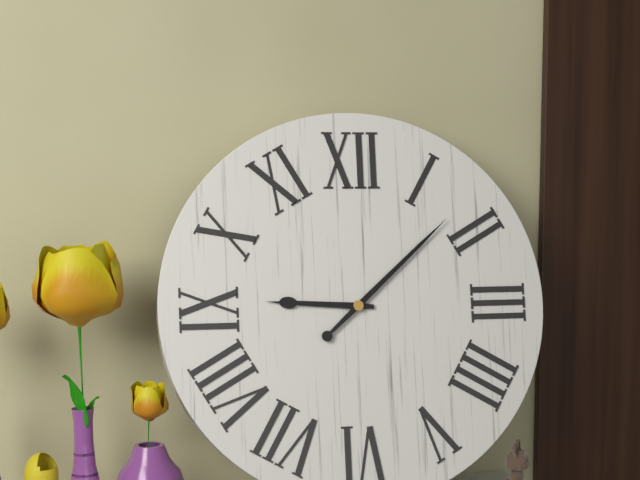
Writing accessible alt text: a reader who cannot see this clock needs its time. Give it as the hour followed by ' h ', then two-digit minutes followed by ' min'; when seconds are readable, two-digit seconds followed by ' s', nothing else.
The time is 9 h 08 min
